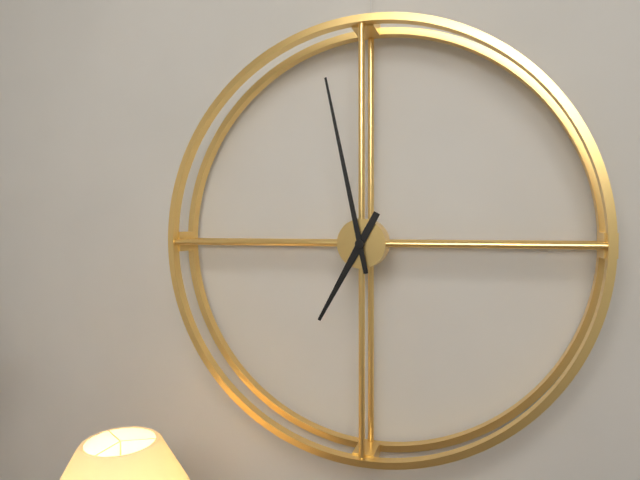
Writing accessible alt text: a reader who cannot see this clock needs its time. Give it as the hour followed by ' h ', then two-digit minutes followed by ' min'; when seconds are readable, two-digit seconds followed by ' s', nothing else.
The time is 6 h 58 min
